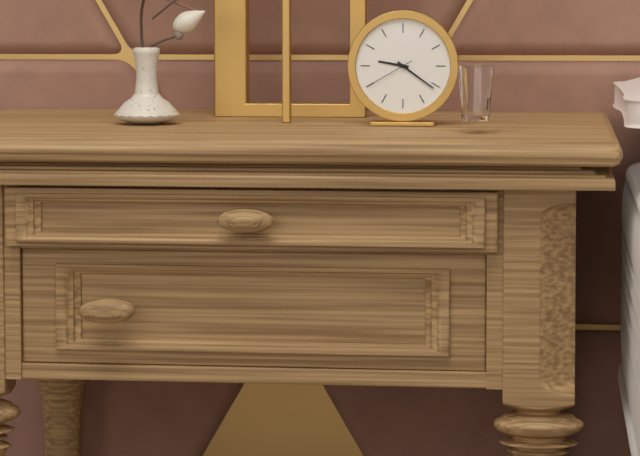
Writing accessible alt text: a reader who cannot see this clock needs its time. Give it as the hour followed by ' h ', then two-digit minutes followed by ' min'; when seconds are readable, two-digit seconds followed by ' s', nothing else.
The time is 9 h 21 min 40 s
